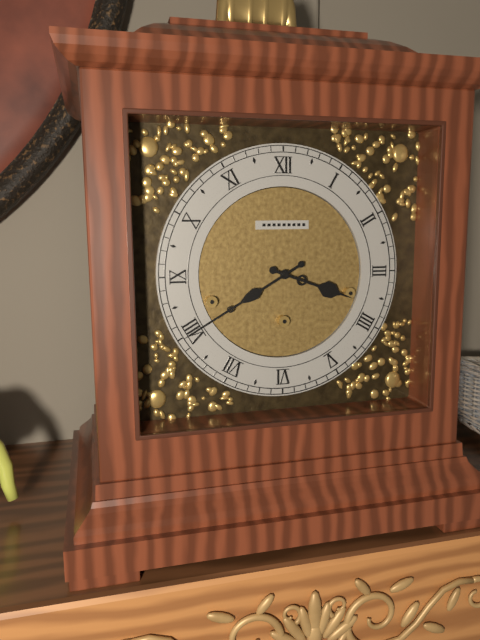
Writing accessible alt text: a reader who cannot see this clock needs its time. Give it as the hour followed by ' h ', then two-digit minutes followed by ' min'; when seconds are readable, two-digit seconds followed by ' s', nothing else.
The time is 3 h 40 min
